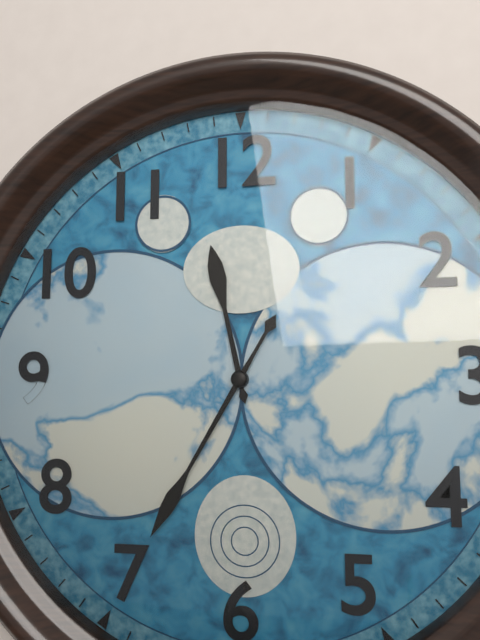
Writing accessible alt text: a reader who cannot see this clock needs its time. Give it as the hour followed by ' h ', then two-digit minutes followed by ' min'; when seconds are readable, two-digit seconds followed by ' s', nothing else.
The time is 11 h 35 min
